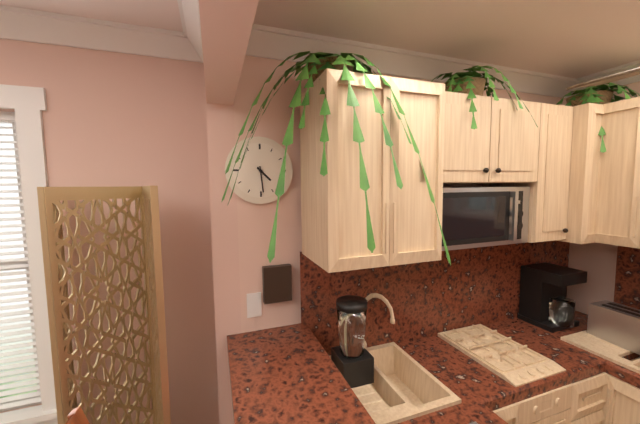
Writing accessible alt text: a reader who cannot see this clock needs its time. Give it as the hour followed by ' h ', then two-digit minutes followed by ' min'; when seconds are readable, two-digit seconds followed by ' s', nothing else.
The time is 4 h 29 min
